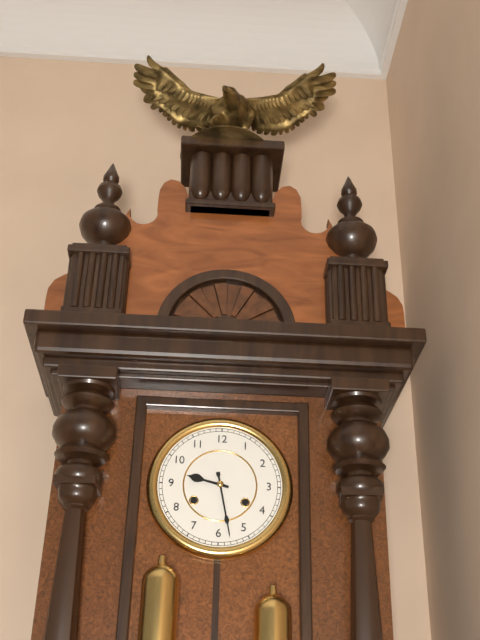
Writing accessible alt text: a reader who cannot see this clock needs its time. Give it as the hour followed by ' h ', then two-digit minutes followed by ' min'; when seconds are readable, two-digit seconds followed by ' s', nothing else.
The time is 9 h 28 min
